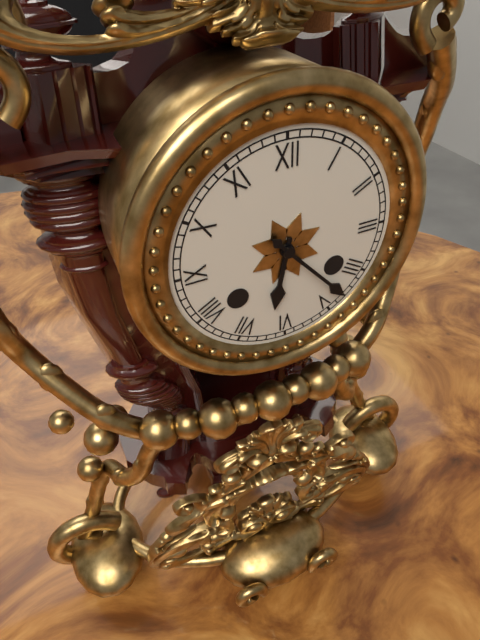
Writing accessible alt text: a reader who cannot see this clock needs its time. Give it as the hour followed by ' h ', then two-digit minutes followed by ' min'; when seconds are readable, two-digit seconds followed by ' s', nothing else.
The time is 6 h 23 min
